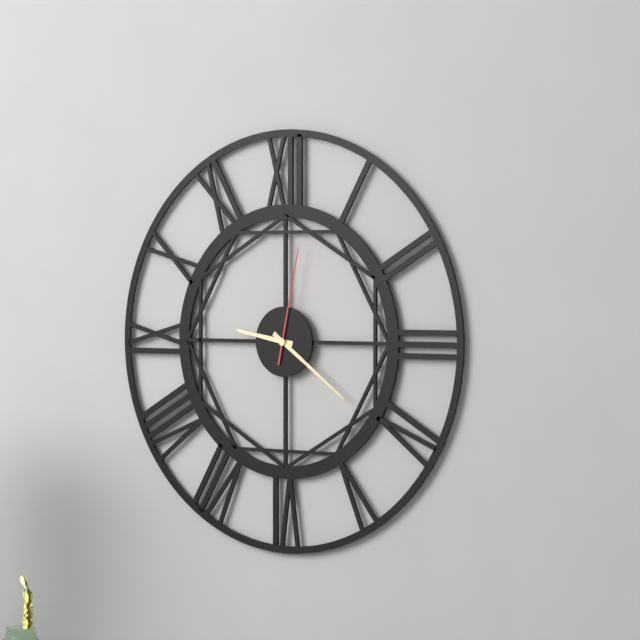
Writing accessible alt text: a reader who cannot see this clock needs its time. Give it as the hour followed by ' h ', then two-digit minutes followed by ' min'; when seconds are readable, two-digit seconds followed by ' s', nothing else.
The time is 9 h 21 min 02 s
